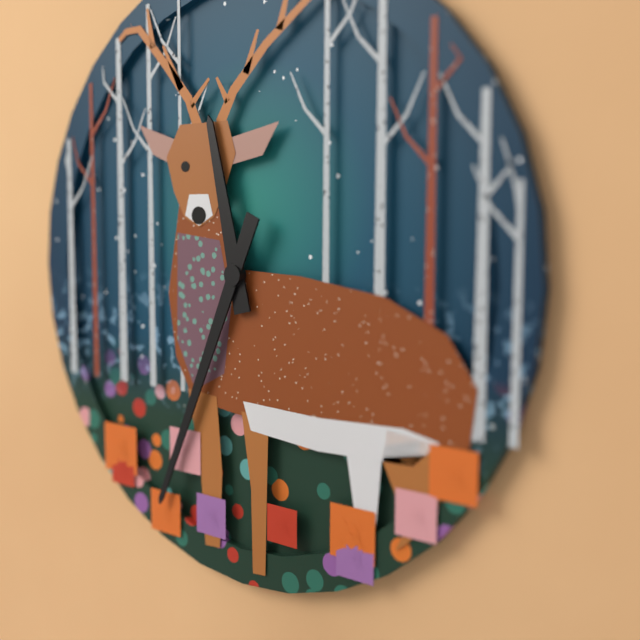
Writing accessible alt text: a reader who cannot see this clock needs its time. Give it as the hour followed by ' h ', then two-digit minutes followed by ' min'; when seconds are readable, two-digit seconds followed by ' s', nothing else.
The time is 11 h 34 min
